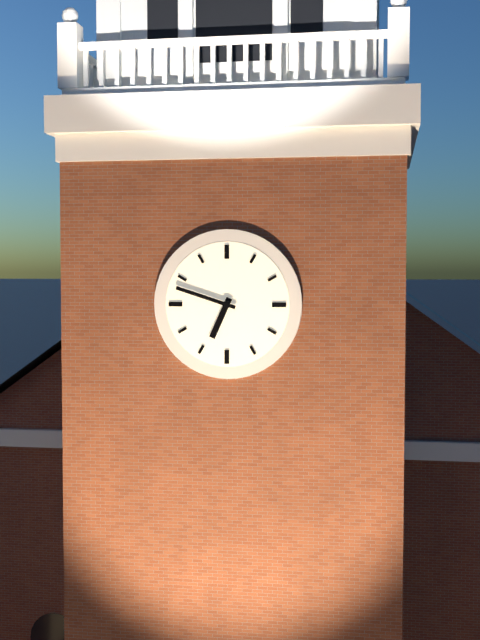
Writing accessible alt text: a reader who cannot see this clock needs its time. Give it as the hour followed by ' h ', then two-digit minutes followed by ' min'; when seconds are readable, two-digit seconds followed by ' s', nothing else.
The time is 6 h 48 min
